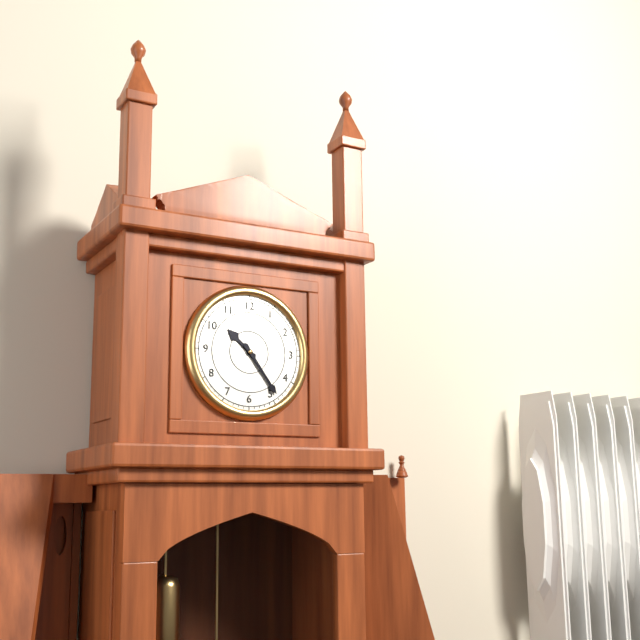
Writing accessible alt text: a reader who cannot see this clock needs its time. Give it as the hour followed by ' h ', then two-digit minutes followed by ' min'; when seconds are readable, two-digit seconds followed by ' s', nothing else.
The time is 10 h 24 min
